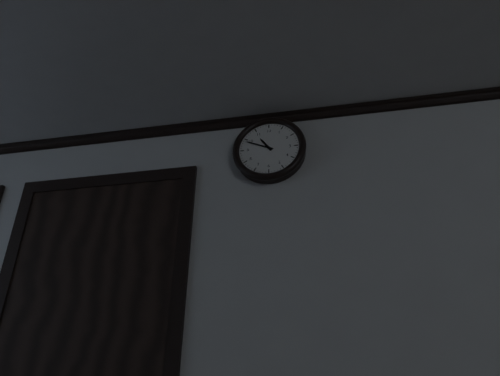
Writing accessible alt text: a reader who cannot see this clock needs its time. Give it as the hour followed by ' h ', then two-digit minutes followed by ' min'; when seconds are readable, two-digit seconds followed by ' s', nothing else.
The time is 10 h 49 min
